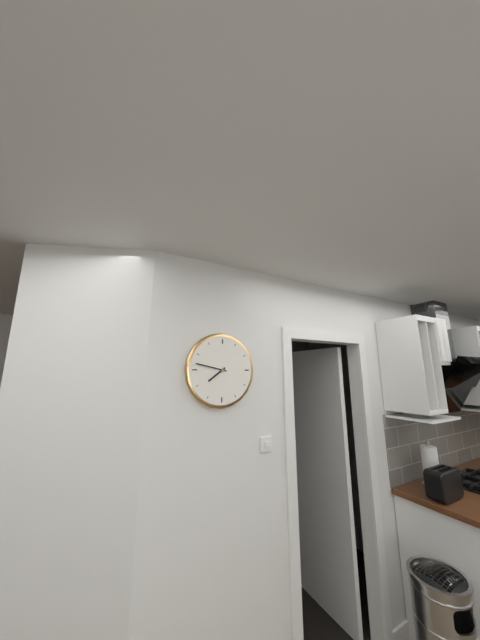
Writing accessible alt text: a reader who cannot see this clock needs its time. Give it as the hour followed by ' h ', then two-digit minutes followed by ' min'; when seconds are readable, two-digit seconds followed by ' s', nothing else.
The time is 7 h 47 min
